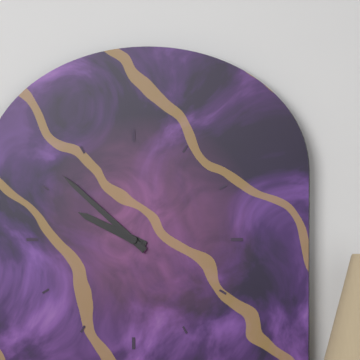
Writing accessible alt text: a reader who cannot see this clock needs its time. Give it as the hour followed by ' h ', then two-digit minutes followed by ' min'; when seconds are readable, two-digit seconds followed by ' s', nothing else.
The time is 9 h 52 min
